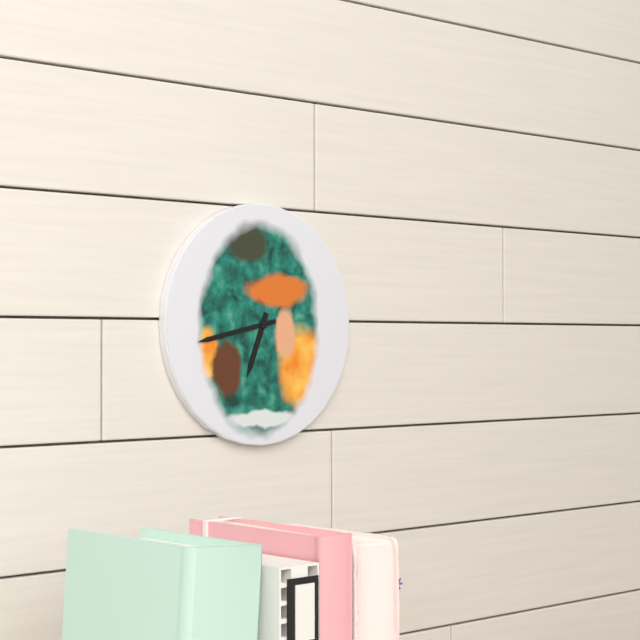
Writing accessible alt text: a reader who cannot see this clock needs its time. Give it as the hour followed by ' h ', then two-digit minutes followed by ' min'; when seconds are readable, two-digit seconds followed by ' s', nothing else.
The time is 6 h 43 min
